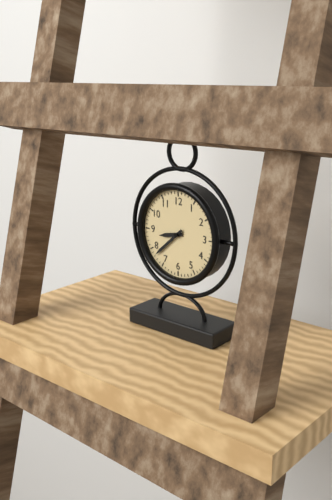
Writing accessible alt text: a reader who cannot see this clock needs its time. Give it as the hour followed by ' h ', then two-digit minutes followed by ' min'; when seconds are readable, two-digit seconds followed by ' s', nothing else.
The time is 8 h 38 min
